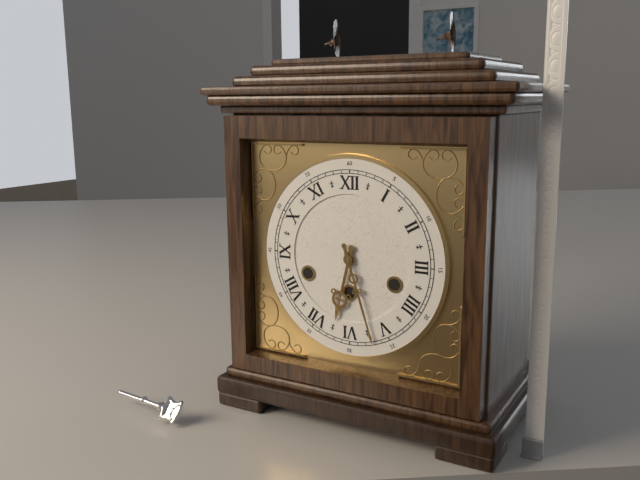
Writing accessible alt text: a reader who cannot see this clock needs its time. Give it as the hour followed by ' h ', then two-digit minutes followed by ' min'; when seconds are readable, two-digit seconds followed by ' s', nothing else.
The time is 6 h 27 min
